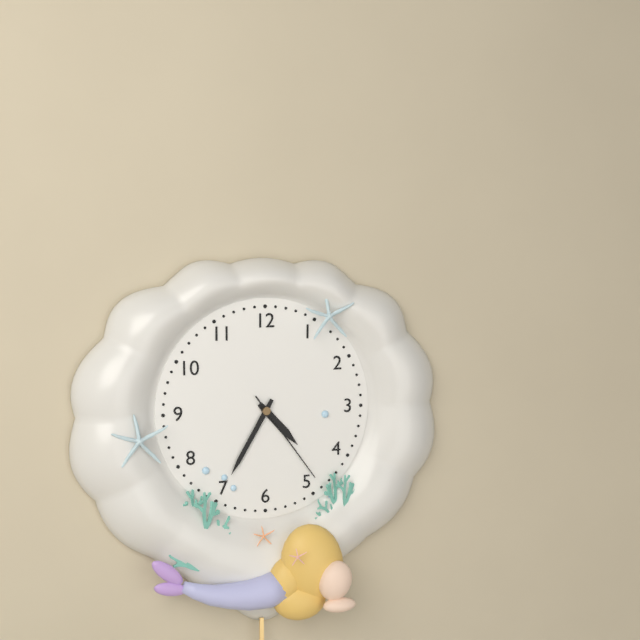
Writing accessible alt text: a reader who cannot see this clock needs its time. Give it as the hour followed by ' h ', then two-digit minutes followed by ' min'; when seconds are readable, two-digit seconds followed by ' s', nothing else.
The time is 4 h 35 min 24 s
